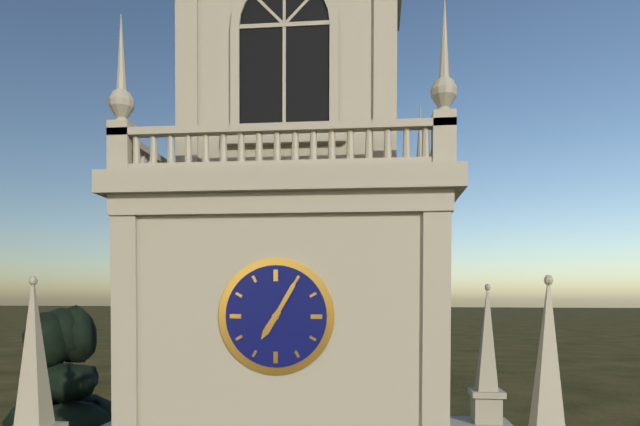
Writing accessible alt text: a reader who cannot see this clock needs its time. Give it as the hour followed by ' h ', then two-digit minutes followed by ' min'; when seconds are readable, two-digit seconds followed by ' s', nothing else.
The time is 7 h 05 min
